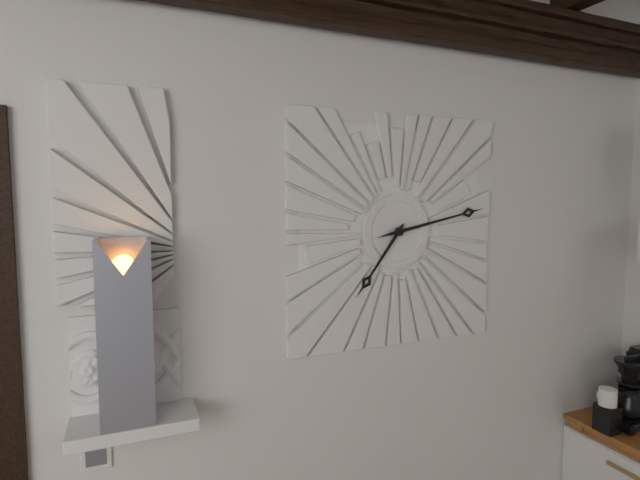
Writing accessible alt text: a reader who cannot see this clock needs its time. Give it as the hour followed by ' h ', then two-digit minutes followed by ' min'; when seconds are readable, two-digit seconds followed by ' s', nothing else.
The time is 7 h 13 min
